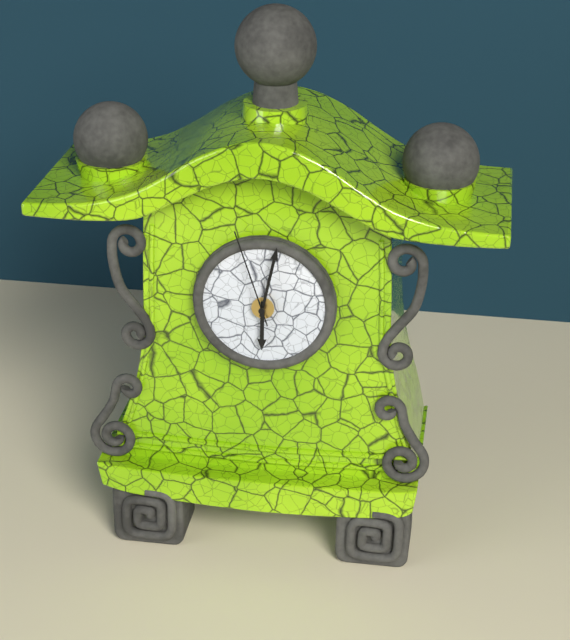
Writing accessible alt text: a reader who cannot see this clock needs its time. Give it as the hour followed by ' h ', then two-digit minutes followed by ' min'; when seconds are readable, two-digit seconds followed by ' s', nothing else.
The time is 6 h 02 min 57 s
